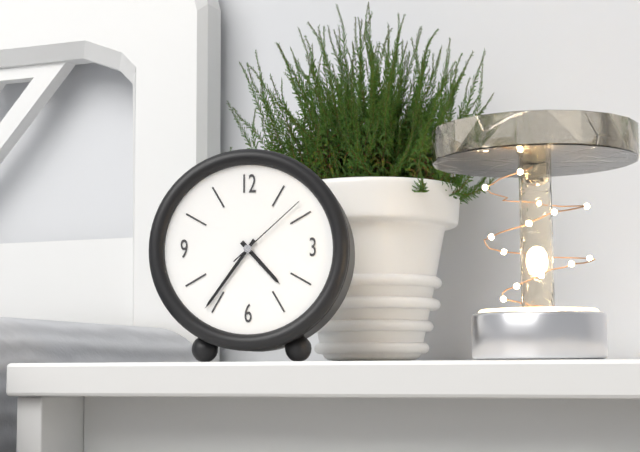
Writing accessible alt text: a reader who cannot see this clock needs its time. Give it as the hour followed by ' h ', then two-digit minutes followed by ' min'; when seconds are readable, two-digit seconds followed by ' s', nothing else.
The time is 4 h 36 min 08 s
